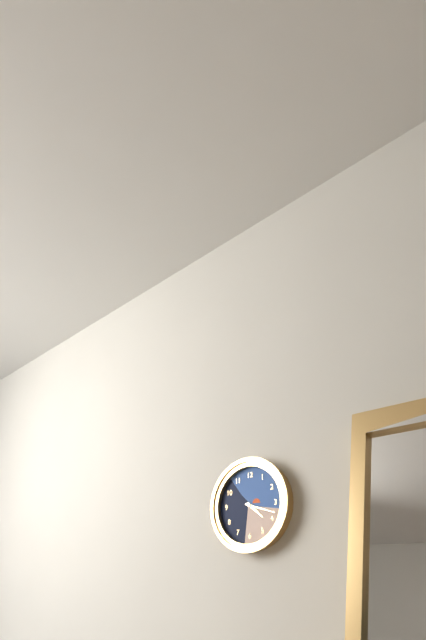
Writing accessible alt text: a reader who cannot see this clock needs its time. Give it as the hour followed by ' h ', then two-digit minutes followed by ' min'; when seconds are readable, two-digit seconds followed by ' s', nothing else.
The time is 4 h 18 min
